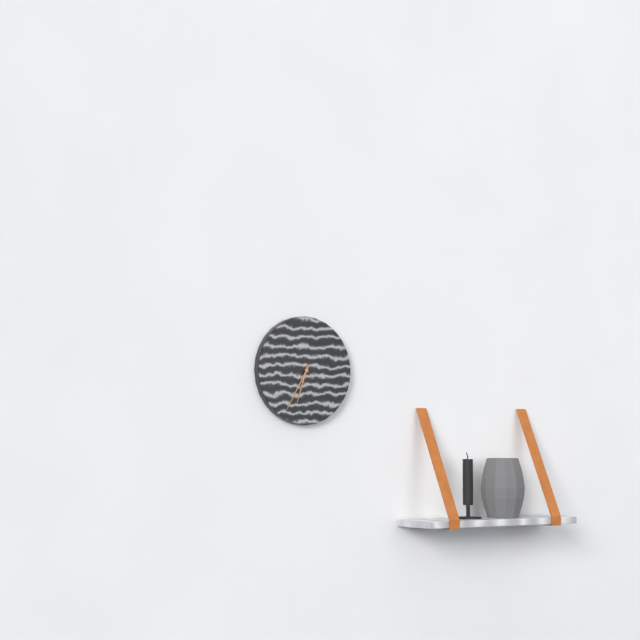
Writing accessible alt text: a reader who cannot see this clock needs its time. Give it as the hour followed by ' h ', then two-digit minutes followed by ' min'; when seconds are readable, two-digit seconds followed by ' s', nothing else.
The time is 6 h 35 min
